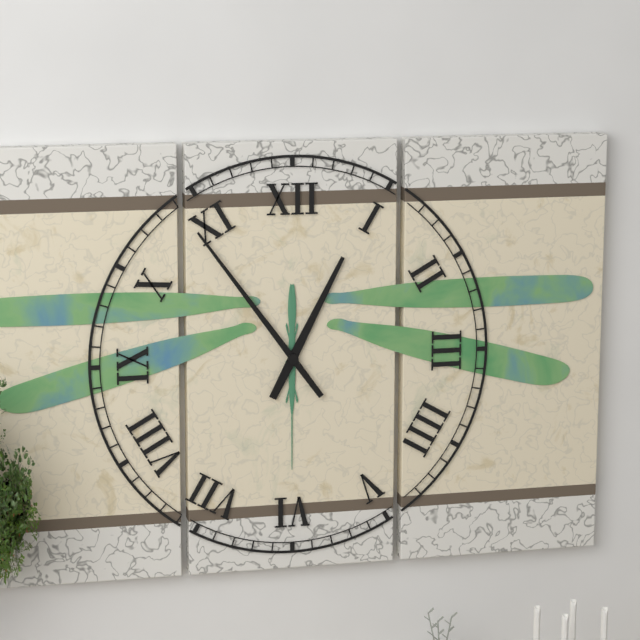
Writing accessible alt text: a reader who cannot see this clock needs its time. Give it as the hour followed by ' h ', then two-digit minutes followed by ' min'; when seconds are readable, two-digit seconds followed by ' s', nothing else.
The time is 12 h 54 min
